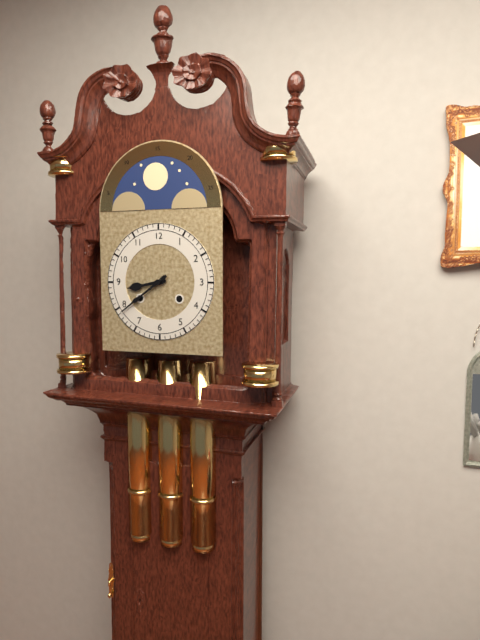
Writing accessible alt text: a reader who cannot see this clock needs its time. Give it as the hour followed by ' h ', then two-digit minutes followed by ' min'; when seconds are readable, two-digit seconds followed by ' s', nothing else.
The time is 8 h 39 min
